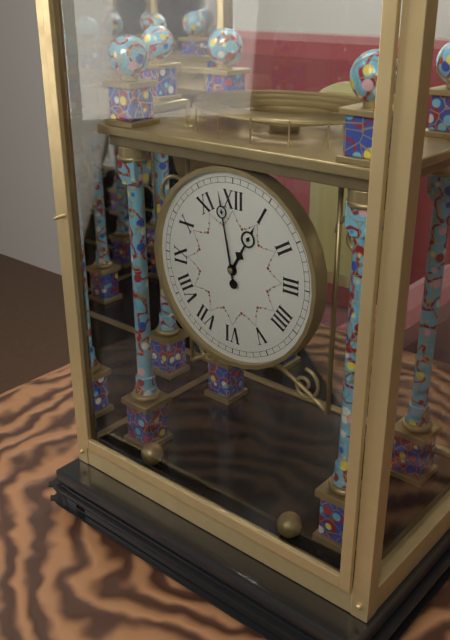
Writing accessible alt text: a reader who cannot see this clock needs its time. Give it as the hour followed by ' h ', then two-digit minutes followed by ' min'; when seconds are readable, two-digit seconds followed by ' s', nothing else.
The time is 12 h 58 min
